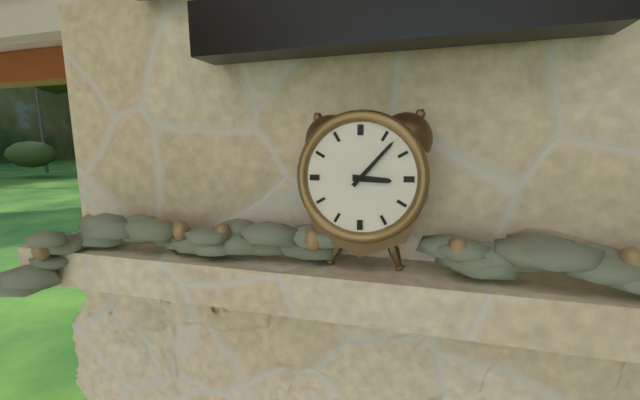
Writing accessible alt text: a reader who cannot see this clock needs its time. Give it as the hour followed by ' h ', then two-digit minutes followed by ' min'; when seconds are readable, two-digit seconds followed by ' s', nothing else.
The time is 3 h 07 min
